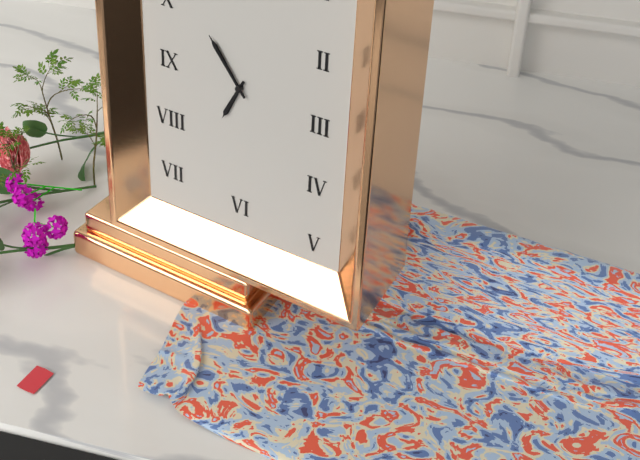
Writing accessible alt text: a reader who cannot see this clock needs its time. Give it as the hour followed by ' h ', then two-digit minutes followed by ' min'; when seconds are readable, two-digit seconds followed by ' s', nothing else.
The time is 6 h 54 min
